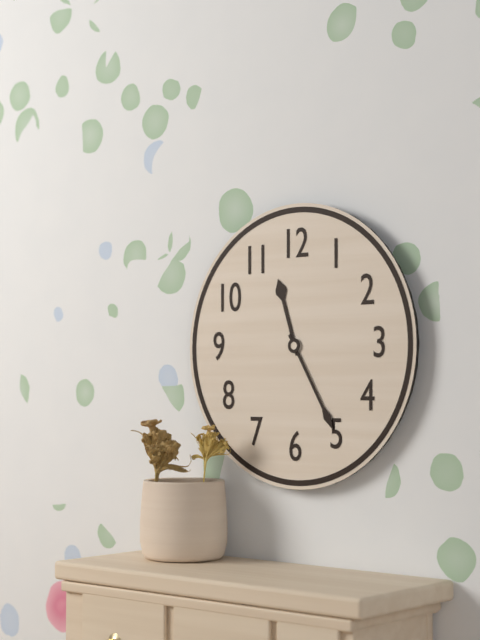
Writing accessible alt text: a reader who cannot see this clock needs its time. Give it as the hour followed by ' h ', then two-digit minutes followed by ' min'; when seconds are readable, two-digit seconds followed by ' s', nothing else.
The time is 11 h 25 min
